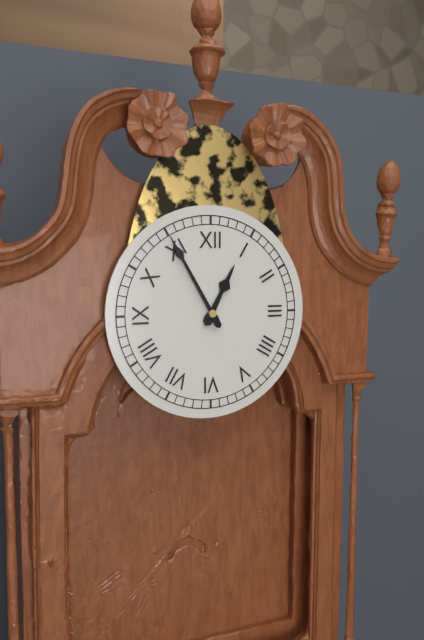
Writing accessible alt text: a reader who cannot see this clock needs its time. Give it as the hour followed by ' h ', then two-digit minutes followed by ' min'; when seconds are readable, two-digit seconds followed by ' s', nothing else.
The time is 12 h 55 min
